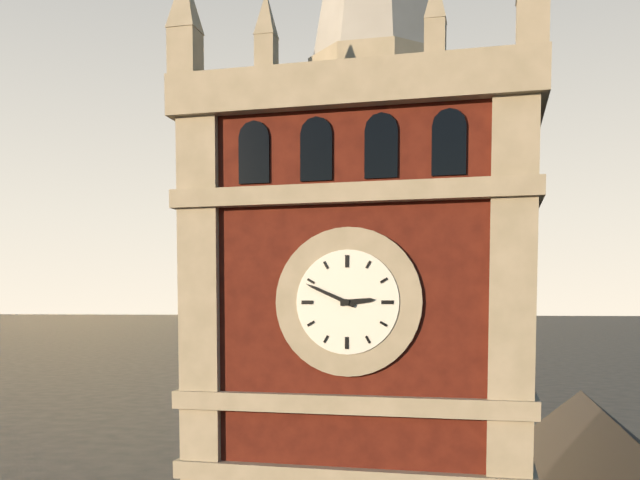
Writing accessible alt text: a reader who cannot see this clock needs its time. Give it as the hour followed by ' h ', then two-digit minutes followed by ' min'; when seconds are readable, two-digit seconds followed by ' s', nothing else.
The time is 2 h 49 min
